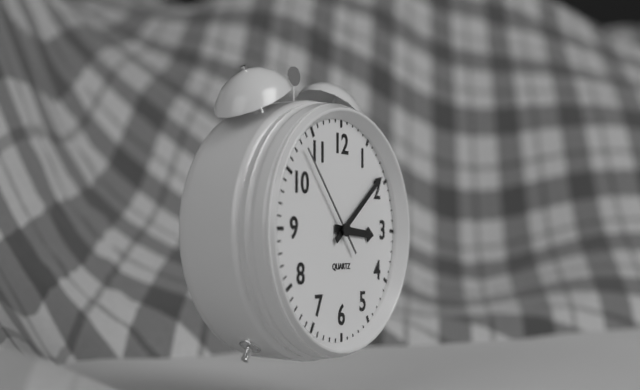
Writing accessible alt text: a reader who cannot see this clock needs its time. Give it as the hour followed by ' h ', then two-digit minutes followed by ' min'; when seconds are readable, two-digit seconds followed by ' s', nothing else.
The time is 3 h 09 min 53 s
